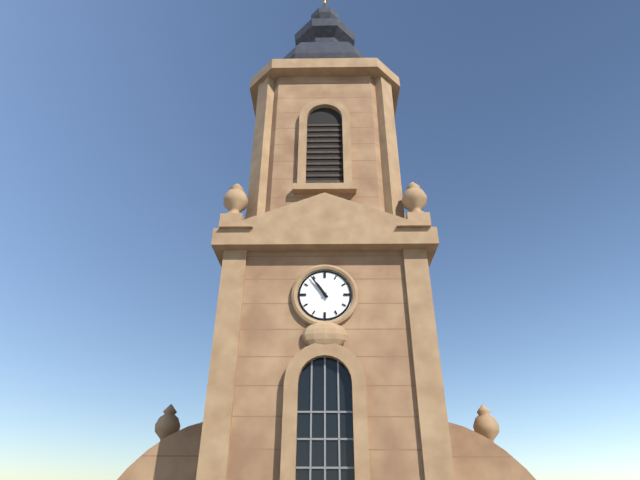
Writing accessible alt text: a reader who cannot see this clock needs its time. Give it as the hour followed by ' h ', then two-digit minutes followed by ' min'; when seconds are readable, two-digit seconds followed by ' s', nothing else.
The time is 10 h 54 min
